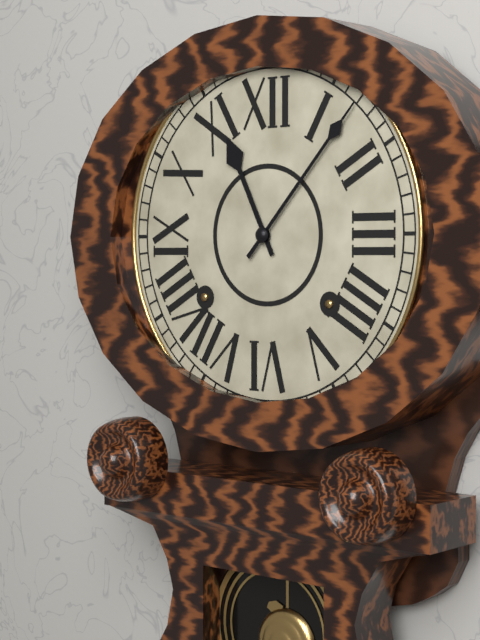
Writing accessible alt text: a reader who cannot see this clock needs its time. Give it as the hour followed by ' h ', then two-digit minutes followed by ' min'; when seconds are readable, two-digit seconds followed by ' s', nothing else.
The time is 11 h 07 min
